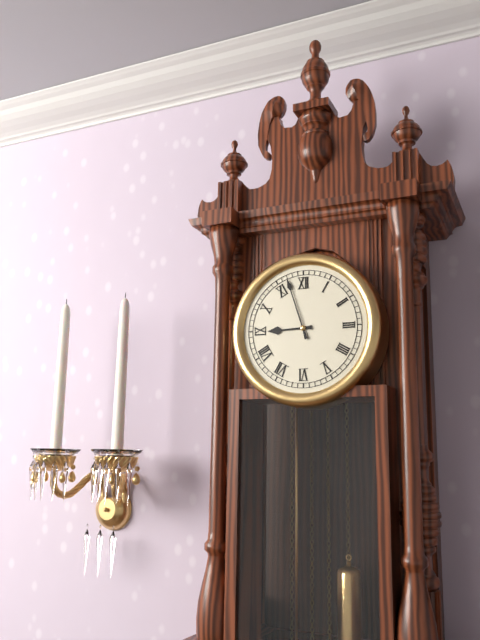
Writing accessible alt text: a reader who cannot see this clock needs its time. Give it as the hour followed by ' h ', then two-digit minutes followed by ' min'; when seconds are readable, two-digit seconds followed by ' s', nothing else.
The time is 8 h 57 min
